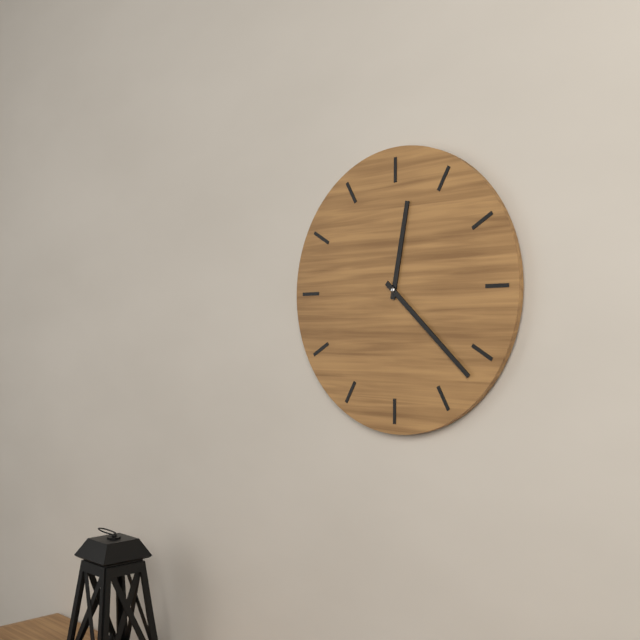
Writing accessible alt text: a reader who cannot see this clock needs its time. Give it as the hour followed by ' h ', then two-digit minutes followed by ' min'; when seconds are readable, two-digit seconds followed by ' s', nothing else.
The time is 12 h 22 min
